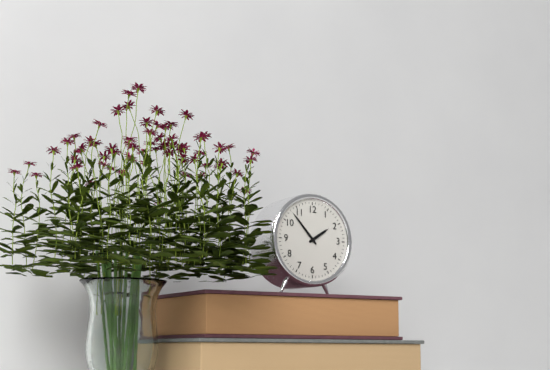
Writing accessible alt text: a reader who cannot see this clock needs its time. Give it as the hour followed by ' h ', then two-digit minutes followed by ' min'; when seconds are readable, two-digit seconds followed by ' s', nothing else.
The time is 1 h 53 min
